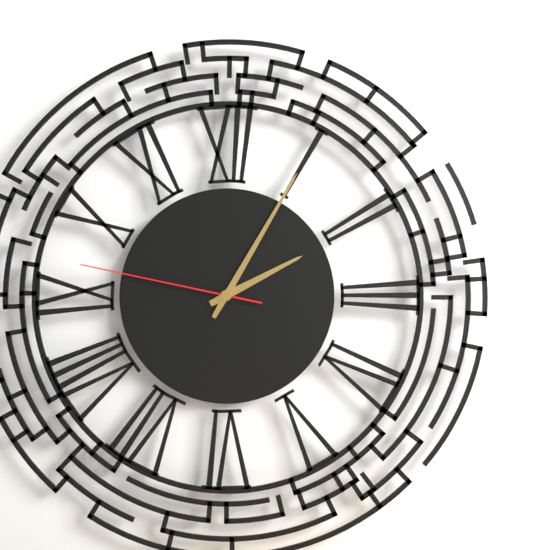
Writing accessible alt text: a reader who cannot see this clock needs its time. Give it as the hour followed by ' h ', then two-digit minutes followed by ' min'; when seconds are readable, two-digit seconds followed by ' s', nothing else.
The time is 2 h 05 min 47 s
